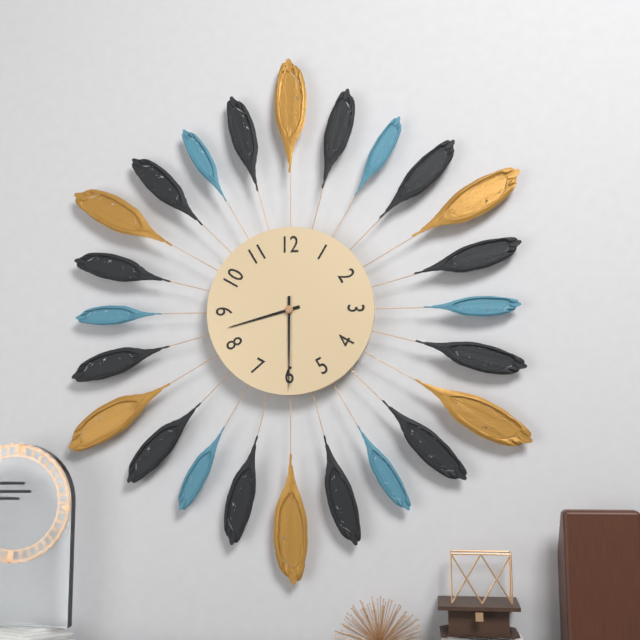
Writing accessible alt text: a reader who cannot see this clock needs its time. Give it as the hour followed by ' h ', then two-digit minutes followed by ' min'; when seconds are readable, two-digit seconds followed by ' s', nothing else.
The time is 8 h 30 min
